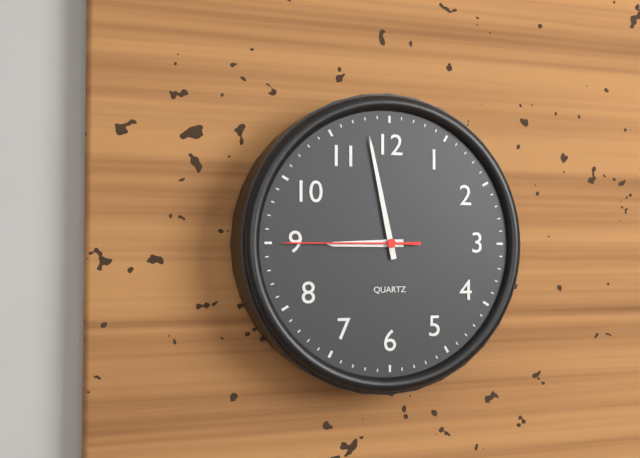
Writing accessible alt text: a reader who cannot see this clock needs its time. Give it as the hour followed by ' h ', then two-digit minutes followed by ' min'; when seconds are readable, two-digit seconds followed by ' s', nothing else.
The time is 8 h 58 min 45 s
